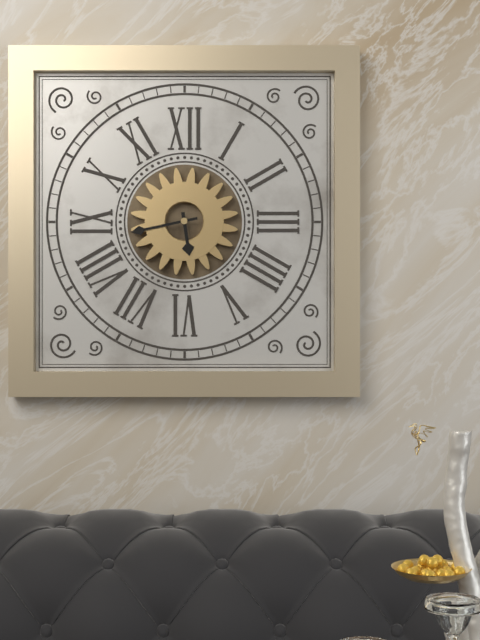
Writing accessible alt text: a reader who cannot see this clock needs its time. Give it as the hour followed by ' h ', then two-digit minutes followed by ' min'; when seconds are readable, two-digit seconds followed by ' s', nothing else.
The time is 5 h 43 min
